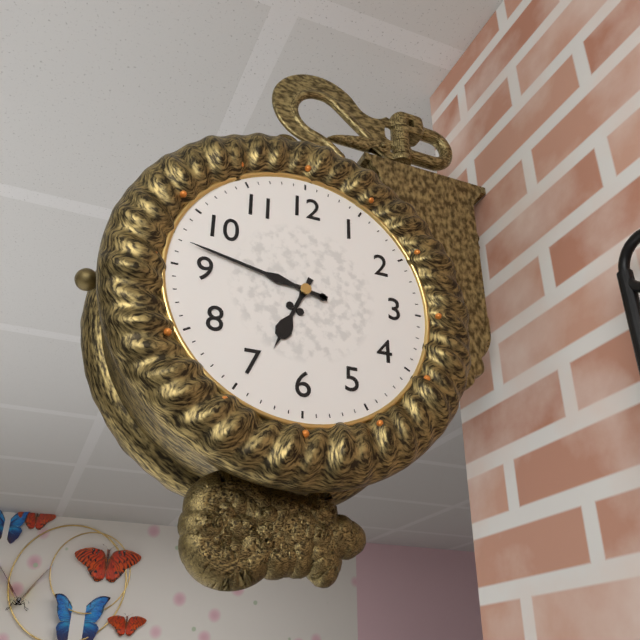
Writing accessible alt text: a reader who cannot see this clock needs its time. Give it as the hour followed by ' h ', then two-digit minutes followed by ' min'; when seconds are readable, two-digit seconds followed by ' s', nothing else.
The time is 6 h 47 min
